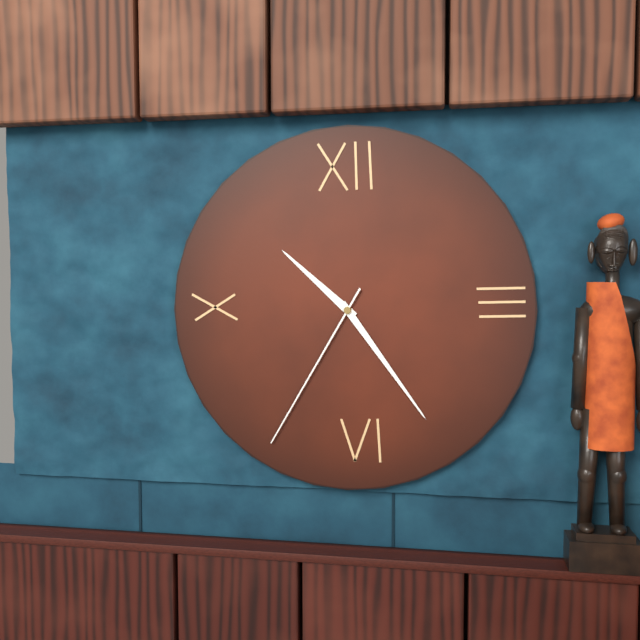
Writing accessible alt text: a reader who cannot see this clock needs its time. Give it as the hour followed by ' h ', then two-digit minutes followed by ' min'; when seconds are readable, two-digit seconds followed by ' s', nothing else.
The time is 10 h 24 min 35 s
